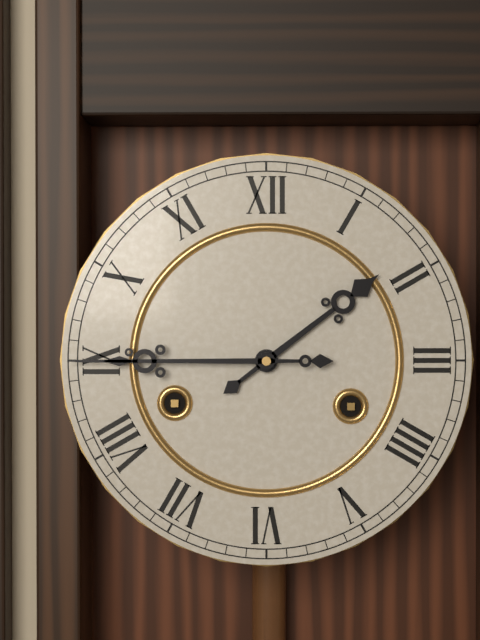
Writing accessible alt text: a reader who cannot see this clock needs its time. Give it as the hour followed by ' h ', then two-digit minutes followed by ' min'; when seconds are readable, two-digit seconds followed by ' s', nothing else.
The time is 1 h 45 min
